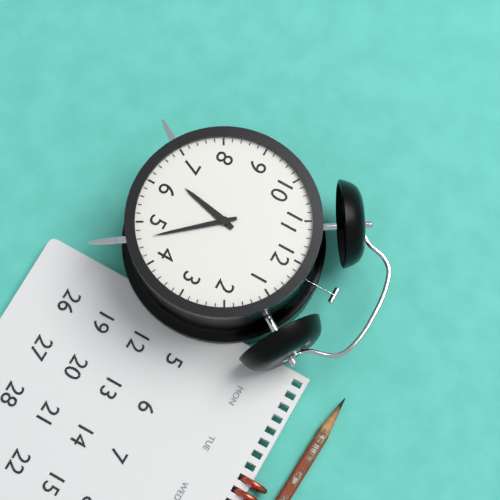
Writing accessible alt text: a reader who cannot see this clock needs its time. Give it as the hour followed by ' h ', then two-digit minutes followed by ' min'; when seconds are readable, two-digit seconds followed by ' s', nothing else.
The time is 6 h 23 min
